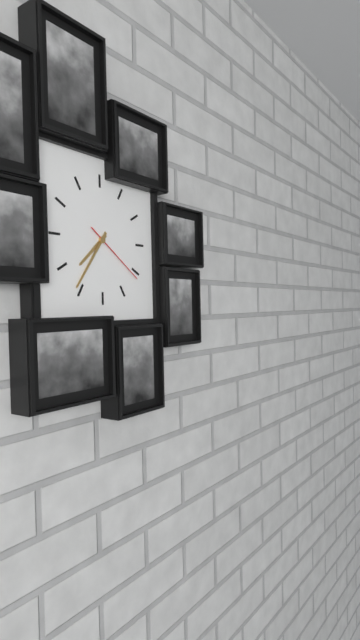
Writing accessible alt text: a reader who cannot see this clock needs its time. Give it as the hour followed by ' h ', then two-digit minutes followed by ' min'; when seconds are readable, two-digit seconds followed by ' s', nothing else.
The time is 7 h 36 min 21 s
